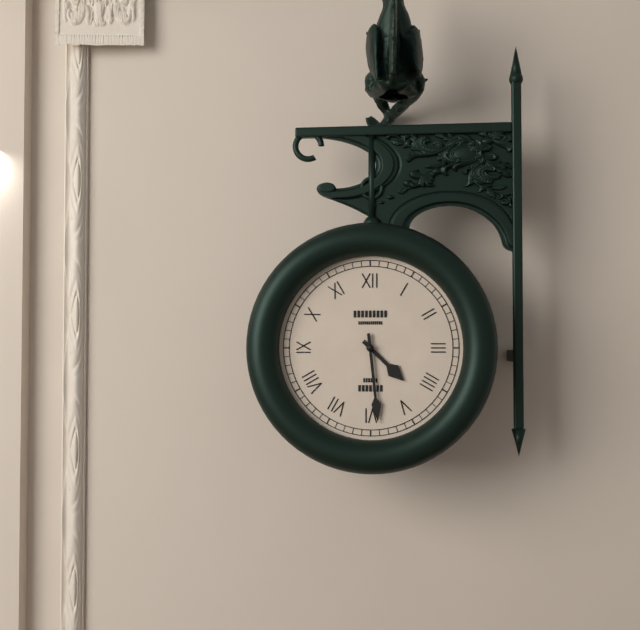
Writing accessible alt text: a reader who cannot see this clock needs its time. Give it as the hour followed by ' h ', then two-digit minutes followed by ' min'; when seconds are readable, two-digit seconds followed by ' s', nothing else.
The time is 4 h 29 min
